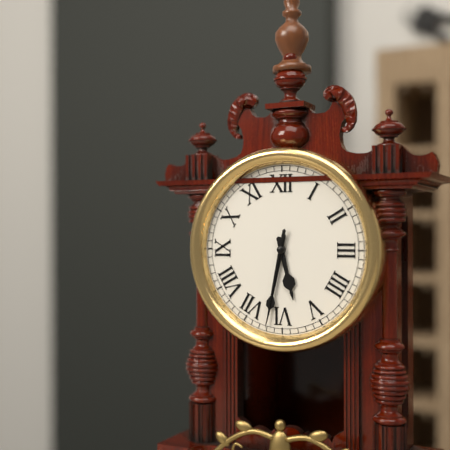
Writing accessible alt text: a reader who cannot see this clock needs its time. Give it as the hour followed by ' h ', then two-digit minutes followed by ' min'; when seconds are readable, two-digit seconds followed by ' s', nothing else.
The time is 5 h 32 min 32 s
